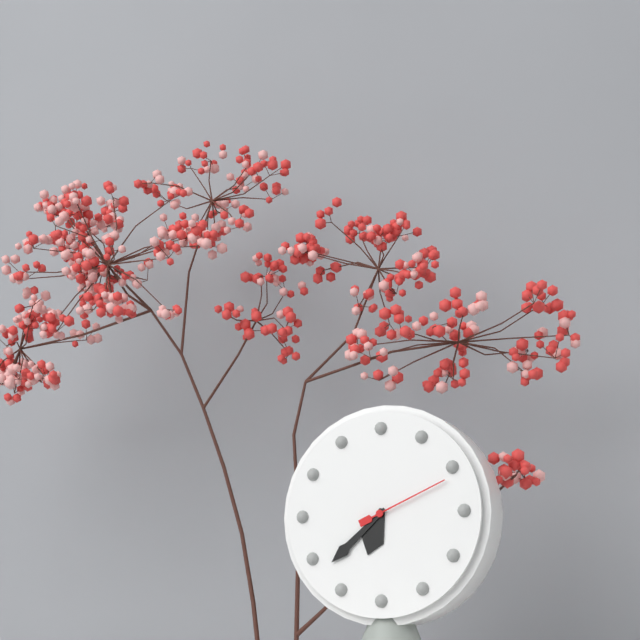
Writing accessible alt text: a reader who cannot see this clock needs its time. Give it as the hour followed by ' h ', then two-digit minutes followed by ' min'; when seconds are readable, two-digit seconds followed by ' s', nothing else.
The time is 6 h 38 min 11 s
